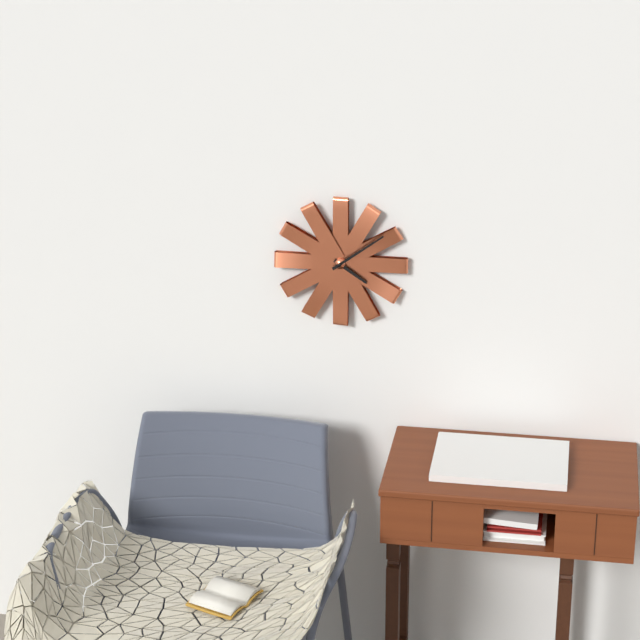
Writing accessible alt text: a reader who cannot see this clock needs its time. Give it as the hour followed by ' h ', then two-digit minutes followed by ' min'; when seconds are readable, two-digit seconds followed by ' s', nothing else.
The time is 4 h 09 min
